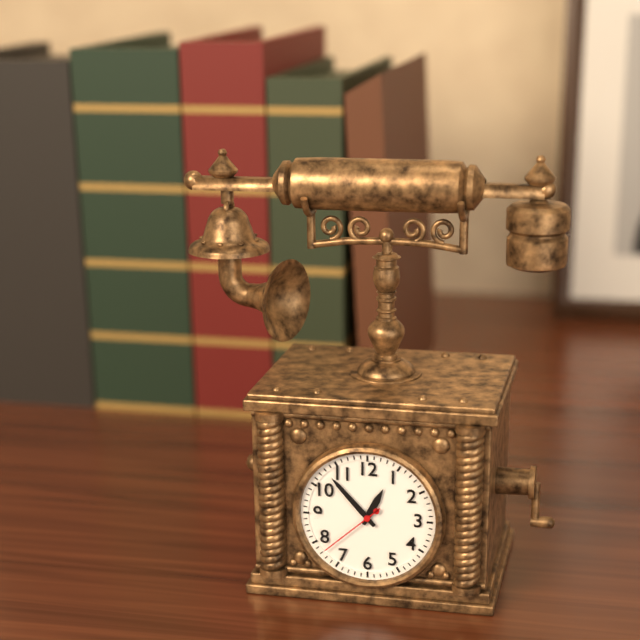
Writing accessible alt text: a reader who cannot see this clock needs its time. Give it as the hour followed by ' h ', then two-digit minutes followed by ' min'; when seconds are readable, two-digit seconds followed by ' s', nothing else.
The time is 12 h 53 min 38 s
